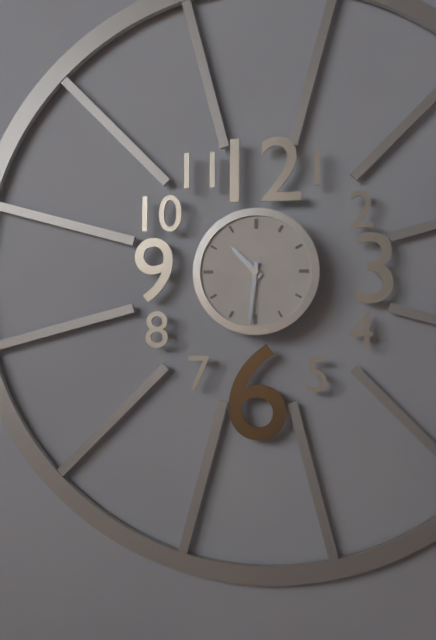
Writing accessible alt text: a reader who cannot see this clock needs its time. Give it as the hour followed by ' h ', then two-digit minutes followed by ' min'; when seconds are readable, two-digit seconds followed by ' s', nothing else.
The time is 10 h 31 min
